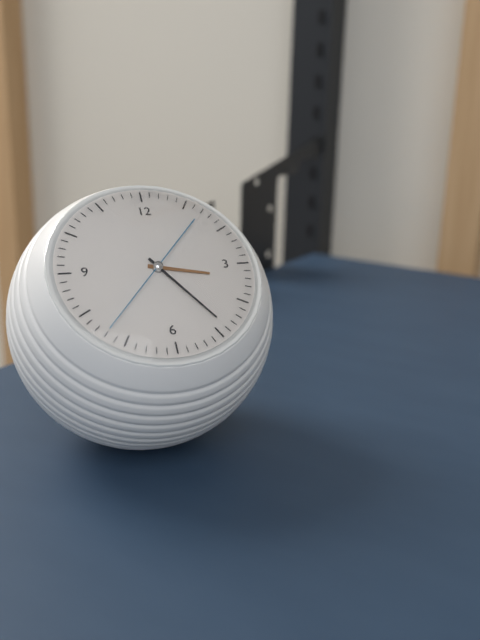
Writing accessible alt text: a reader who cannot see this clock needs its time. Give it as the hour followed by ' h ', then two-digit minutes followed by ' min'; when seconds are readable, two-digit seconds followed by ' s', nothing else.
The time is 3 h 24 min 37 s
